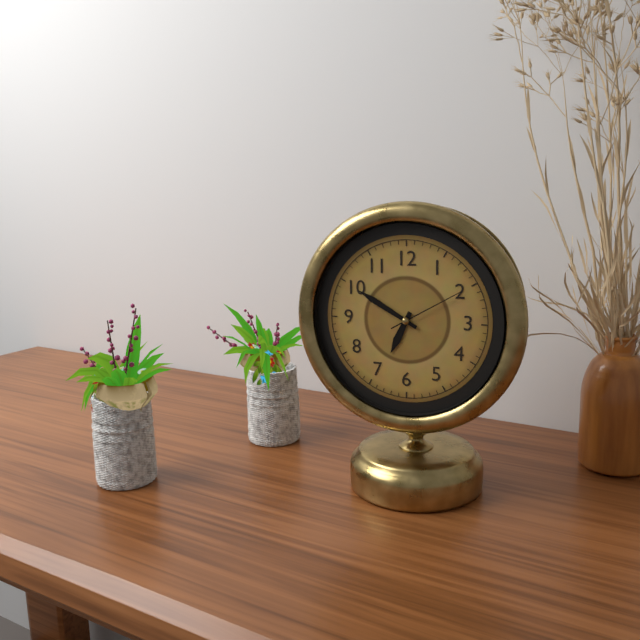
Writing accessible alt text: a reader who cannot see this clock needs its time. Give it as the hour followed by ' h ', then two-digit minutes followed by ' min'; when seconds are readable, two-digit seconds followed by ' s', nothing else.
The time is 6 h 50 min 10 s
